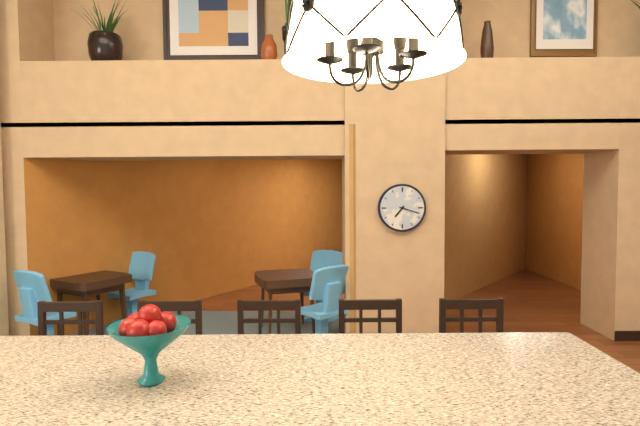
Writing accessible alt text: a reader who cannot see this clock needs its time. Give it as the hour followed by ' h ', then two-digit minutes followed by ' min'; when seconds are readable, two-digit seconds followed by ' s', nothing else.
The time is 7 h 18 min
